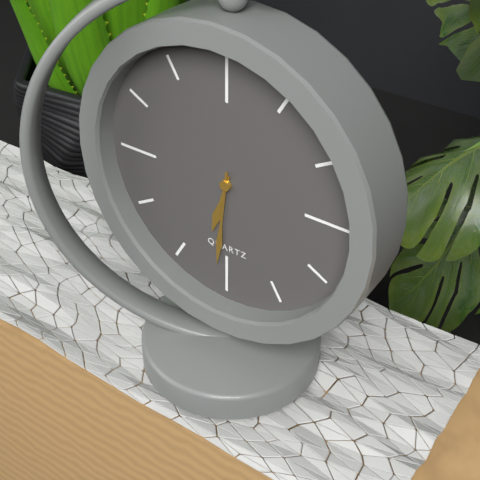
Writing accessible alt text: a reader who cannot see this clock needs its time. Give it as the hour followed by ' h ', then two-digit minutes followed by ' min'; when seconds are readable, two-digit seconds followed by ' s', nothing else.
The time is 6 h 31 min
